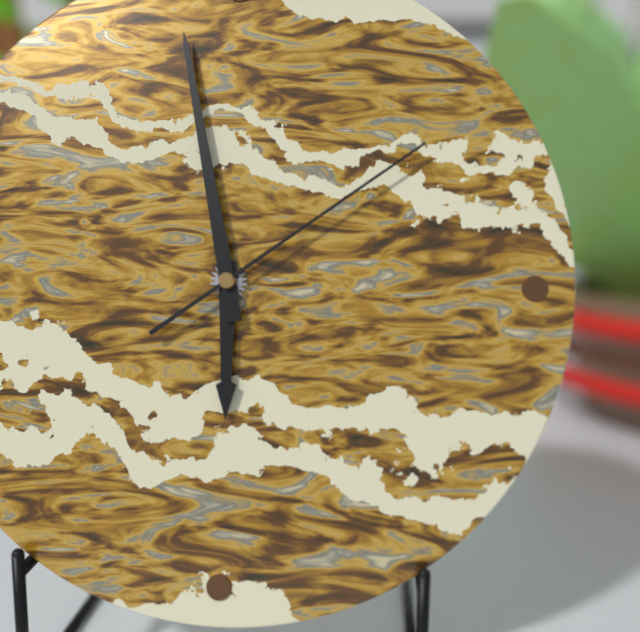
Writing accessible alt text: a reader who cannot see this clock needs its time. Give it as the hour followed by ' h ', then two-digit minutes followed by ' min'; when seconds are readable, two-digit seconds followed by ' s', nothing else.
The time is 5 h 58 min 09 s
